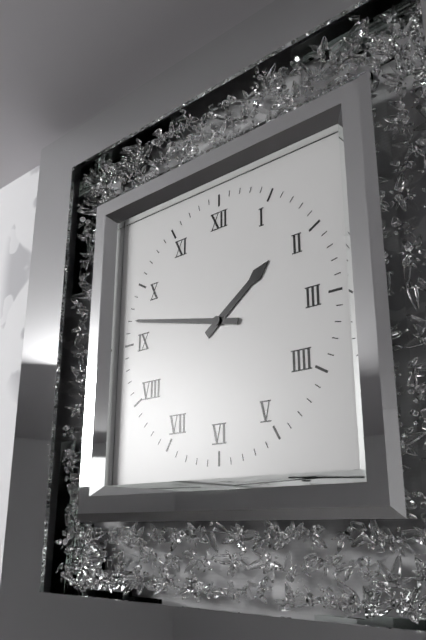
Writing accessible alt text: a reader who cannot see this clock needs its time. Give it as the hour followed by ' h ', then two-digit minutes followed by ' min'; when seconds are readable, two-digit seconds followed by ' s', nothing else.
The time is 1 h 47 min
